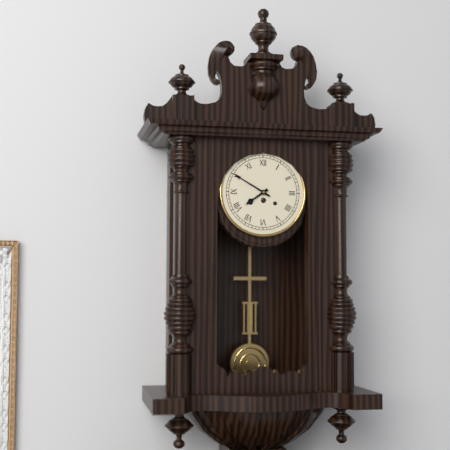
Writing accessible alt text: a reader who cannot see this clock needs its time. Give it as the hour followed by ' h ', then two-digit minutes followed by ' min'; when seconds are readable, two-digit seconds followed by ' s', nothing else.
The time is 7 h 50 min
